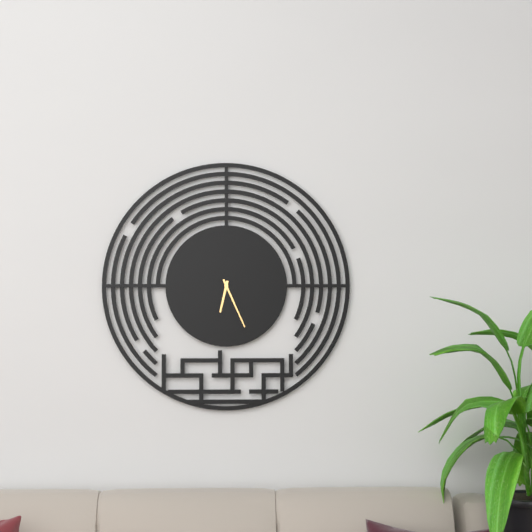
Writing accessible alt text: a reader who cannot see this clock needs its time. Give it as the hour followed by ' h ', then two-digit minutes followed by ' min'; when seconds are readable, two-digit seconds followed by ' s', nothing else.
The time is 6 h 26 min
